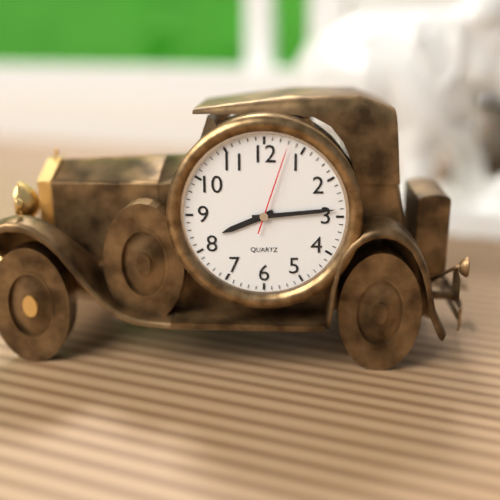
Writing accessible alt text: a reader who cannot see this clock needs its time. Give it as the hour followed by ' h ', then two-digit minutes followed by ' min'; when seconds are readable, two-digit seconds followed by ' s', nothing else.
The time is 8 h 14 min 03 s
